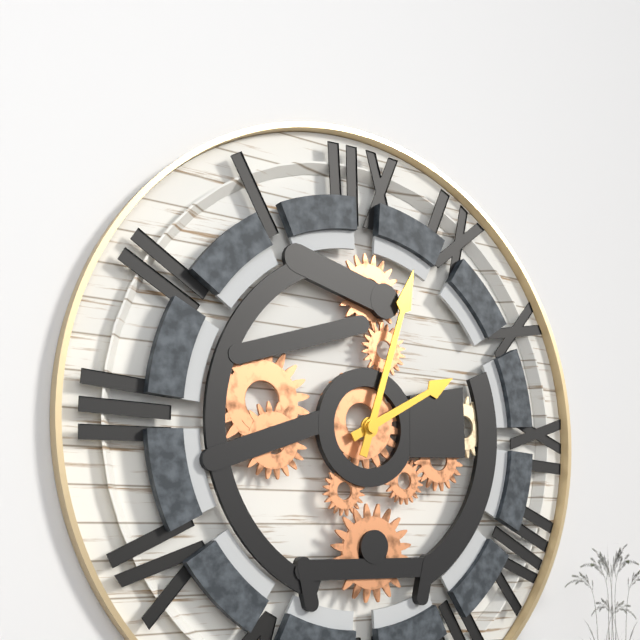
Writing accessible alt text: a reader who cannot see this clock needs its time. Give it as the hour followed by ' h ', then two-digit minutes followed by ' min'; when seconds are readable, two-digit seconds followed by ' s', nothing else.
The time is 2 h 03 min
